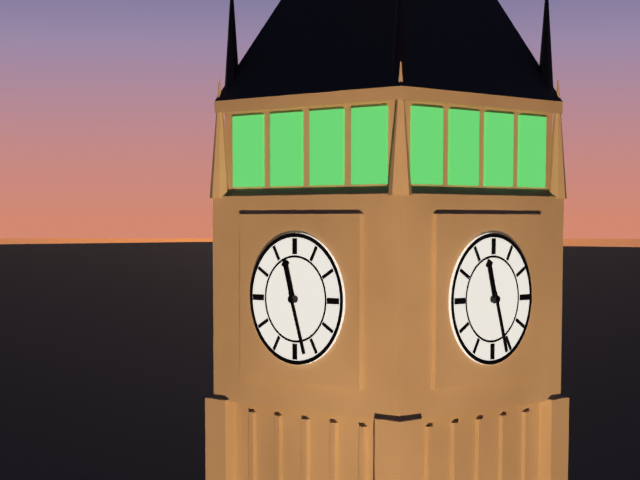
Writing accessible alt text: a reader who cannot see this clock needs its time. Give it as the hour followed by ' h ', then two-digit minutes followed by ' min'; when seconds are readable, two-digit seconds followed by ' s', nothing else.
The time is 11 h 27 min
